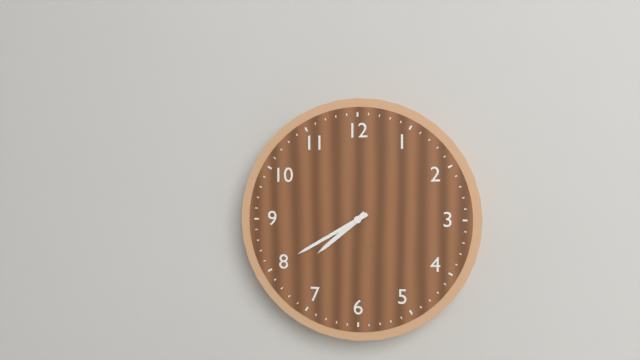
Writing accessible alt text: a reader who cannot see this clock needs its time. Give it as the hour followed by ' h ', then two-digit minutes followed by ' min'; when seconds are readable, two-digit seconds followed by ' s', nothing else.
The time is 7 h 40 min
